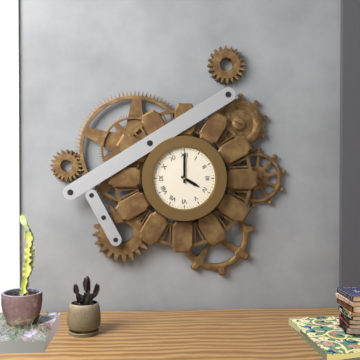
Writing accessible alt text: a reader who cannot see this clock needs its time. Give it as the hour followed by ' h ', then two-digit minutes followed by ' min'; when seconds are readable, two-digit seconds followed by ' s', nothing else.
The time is 4 h 00 min
